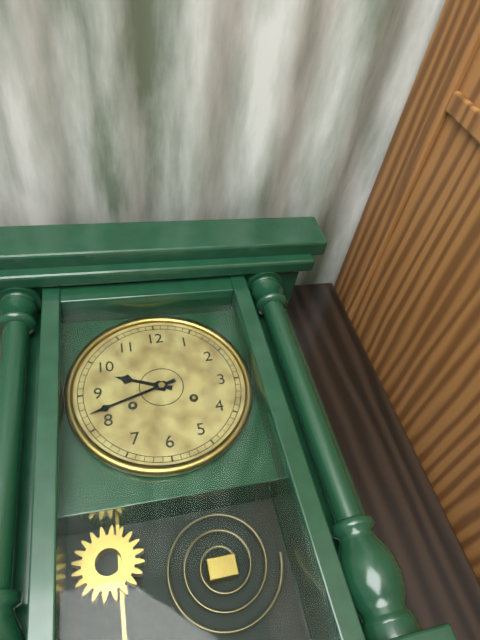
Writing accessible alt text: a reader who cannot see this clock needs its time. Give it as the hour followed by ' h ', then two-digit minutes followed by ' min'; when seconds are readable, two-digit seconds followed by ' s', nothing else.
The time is 9 h 42 min
